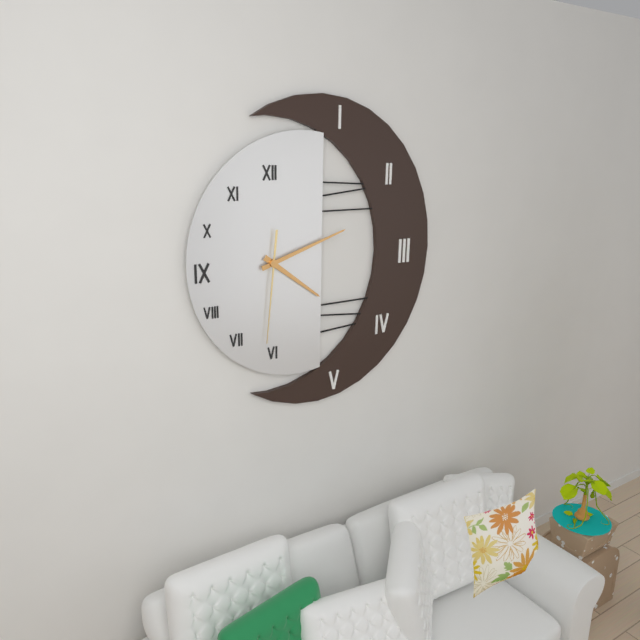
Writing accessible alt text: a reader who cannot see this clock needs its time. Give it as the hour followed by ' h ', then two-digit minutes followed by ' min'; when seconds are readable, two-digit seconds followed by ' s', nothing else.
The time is 4 h 12 min 31 s
